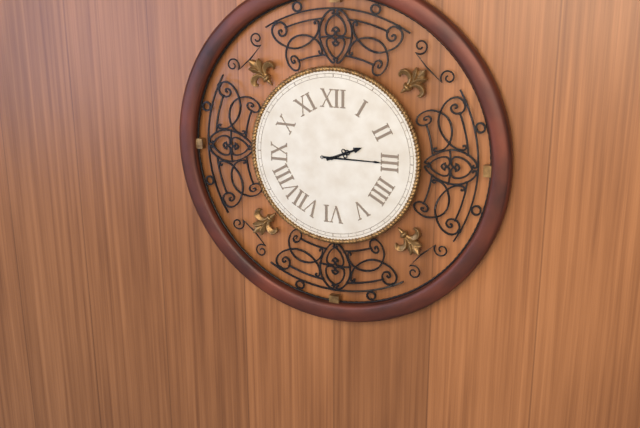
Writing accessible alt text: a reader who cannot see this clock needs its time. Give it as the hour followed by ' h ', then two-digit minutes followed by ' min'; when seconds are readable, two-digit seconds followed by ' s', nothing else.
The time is 2 h 15 min
